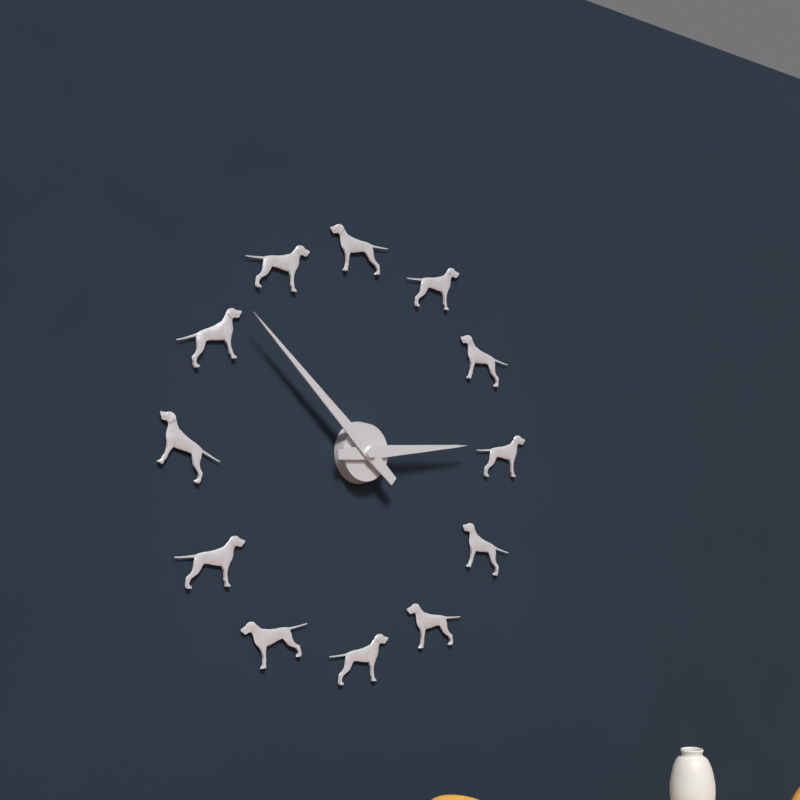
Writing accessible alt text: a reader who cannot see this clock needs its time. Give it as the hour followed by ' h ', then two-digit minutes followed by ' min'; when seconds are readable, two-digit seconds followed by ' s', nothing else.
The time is 2 h 52 min
